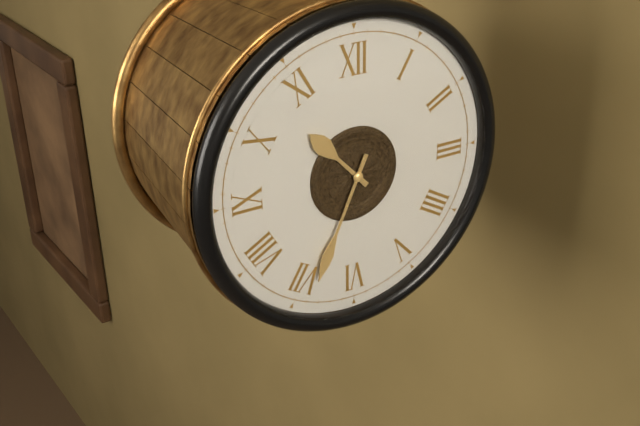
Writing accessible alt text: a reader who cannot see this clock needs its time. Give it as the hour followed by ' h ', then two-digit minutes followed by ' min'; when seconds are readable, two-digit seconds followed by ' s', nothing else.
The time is 10 h 34 min
